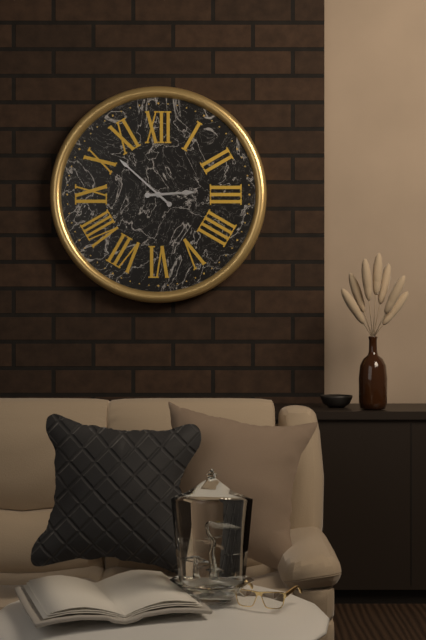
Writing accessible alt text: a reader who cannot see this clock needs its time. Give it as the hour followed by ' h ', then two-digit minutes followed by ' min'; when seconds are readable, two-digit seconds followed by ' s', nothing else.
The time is 2 h 52 min
